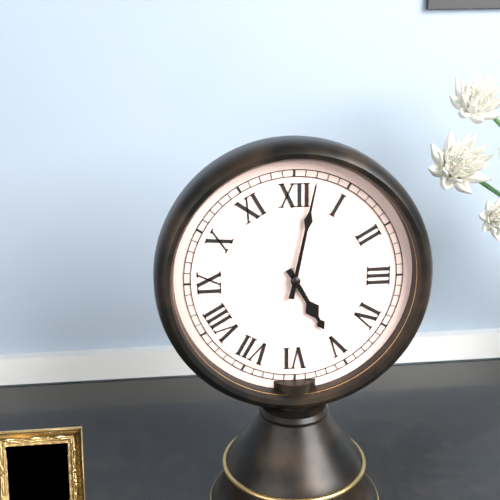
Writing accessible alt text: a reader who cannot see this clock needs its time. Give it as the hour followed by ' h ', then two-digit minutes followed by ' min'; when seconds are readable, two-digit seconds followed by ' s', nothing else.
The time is 5 h 02 min
